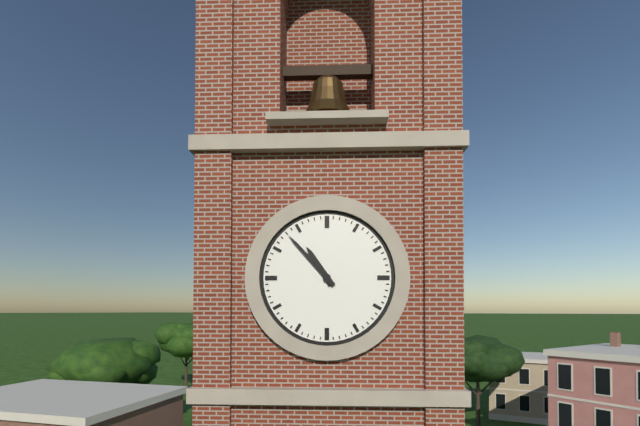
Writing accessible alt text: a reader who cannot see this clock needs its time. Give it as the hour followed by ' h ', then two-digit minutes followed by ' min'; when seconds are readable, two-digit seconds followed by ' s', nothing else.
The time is 10 h 53 min
